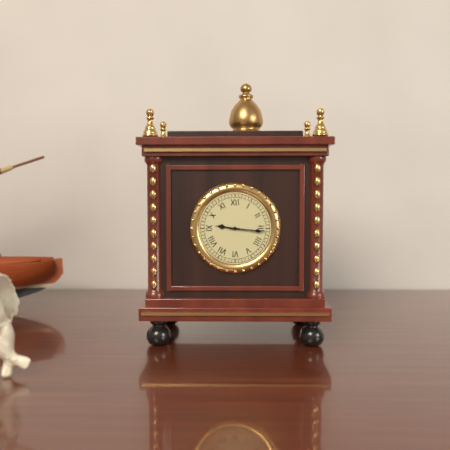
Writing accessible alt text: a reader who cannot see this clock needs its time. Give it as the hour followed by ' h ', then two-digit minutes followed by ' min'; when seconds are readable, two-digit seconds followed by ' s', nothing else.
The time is 9 h 16 min
